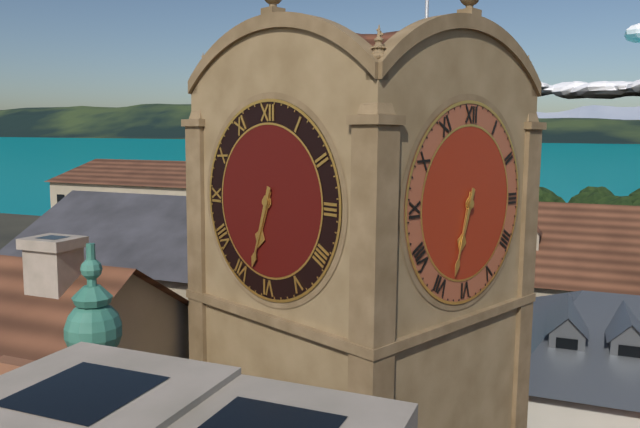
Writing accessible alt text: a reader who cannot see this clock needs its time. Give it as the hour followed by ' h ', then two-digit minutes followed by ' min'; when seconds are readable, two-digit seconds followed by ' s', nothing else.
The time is 6 h 33 min
